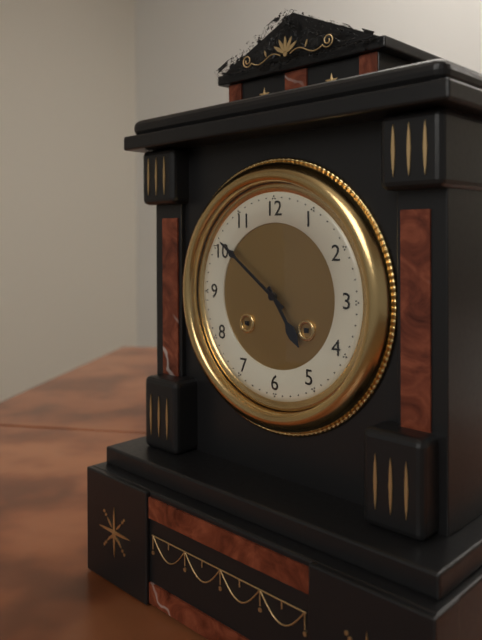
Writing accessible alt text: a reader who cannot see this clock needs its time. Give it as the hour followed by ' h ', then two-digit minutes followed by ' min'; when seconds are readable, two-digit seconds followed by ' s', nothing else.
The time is 4 h 51 min
